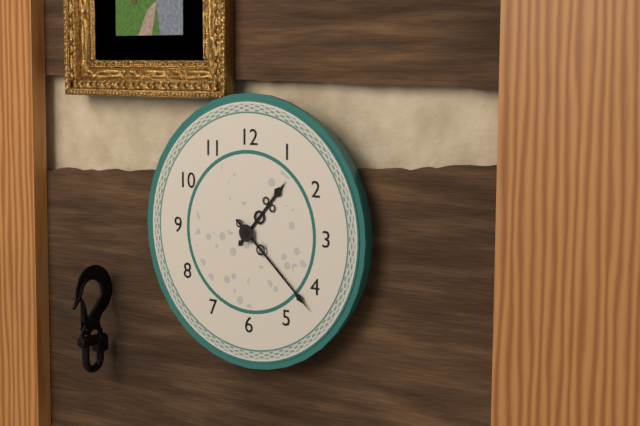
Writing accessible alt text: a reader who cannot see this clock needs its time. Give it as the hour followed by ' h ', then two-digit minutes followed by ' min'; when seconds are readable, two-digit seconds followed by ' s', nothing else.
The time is 1 h 22 min
